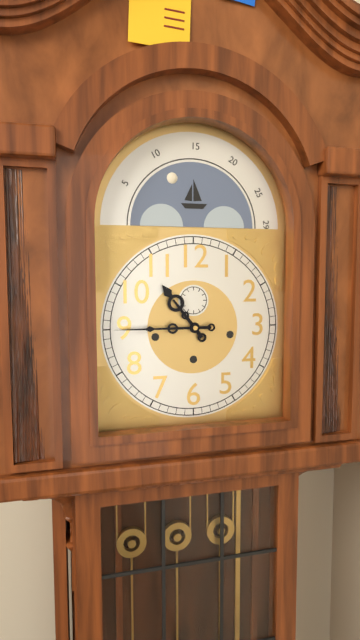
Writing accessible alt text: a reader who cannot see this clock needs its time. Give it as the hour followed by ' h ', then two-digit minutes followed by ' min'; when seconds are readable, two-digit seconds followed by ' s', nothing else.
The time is 10 h 45 min
